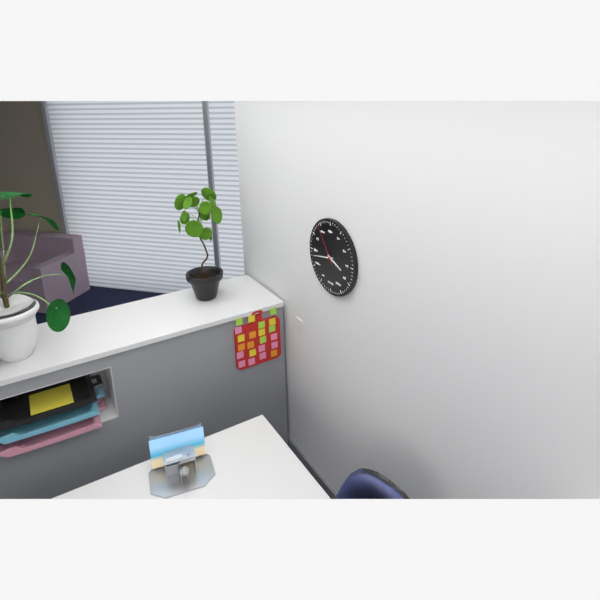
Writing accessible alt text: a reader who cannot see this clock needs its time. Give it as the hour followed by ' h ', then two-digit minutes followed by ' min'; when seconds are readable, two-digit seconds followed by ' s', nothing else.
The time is 3 h 43 min
